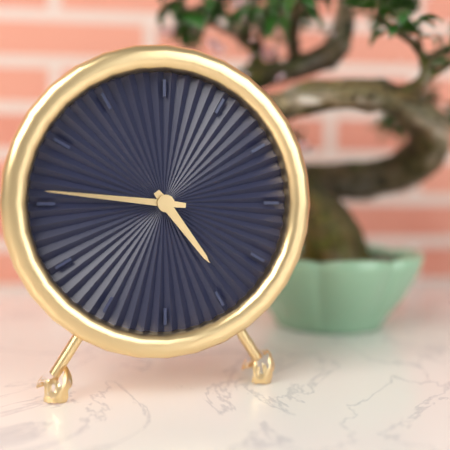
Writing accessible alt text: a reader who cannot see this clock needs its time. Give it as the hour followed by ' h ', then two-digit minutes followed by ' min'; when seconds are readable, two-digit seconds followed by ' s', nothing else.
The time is 4 h 46 min
